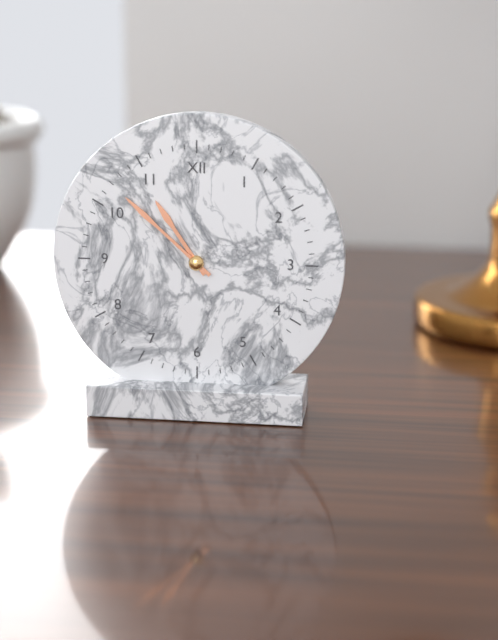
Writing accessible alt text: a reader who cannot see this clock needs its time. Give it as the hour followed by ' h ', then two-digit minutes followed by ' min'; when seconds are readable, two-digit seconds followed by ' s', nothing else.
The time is 10 h 52 min
